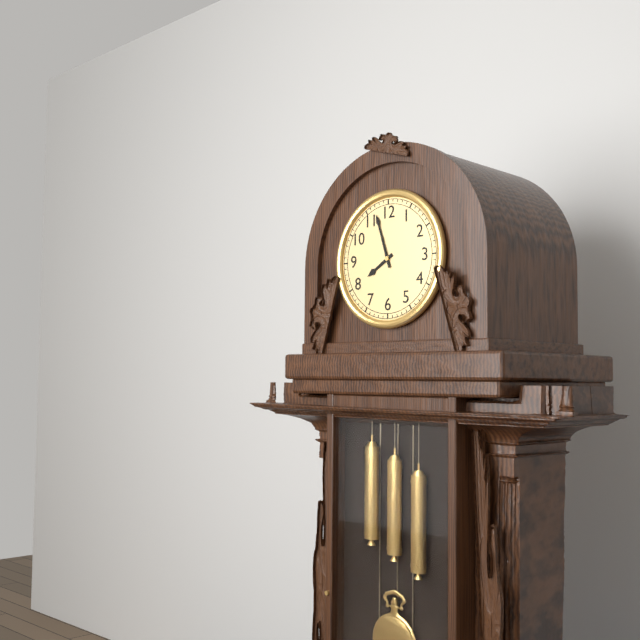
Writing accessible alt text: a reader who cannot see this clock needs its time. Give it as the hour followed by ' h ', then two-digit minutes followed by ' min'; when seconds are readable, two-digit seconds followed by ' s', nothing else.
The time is 7 h 57 min
